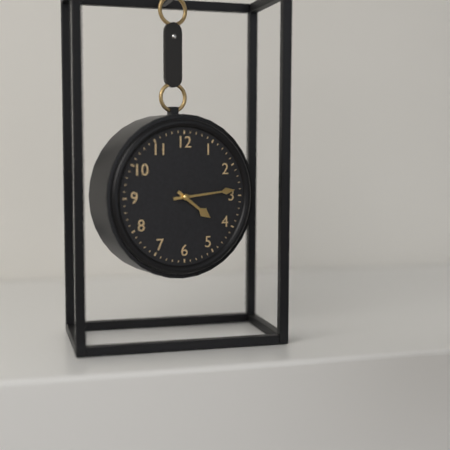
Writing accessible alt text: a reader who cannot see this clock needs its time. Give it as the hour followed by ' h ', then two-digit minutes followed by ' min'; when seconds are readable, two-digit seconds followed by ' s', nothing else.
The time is 4 h 14 min
